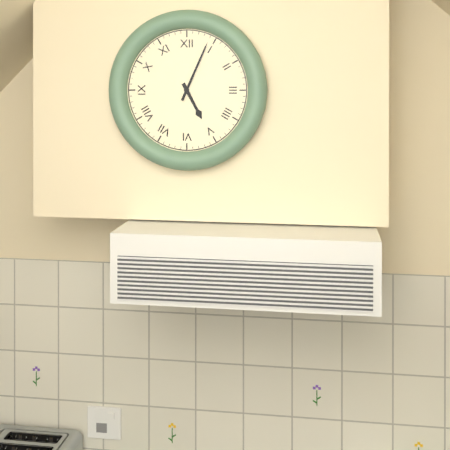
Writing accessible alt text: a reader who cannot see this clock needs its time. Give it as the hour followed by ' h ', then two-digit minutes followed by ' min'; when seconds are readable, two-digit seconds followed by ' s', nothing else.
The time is 5 h 04 min
